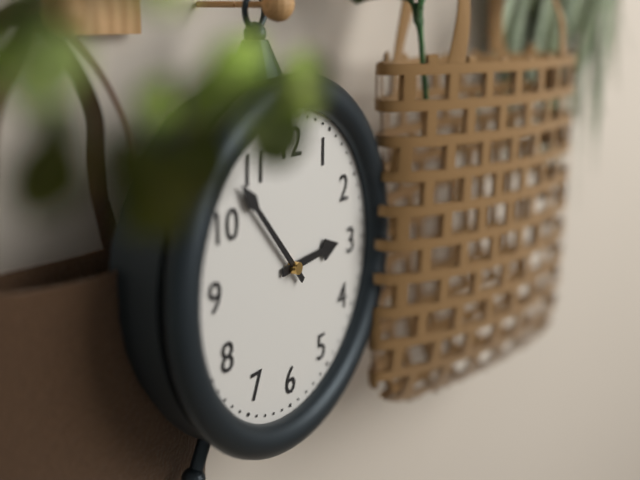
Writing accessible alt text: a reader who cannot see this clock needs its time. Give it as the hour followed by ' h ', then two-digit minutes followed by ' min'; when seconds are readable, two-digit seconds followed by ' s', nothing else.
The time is 2 h 53 min
